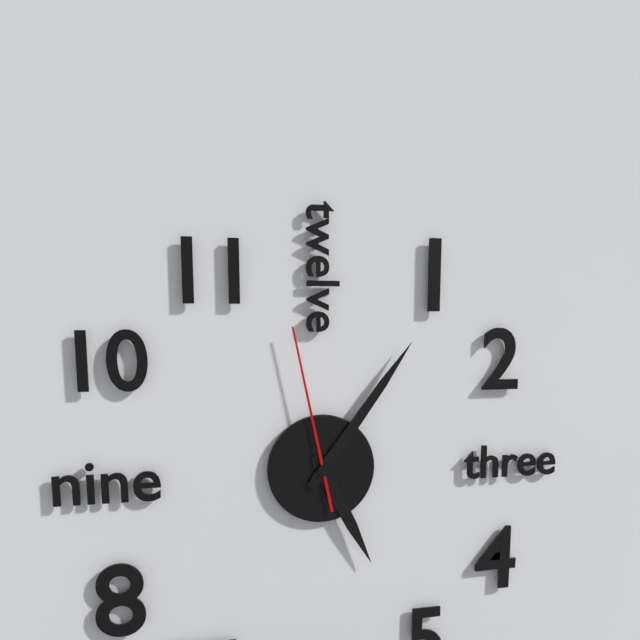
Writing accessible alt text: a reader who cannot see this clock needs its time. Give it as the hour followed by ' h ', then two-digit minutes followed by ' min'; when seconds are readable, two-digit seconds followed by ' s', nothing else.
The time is 5 h 06 min 58 s
